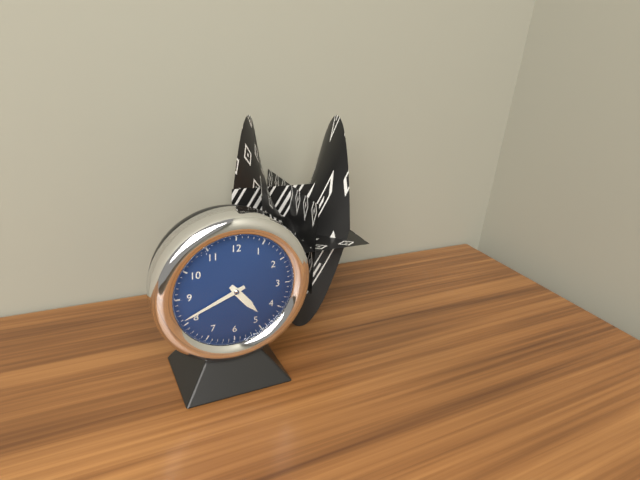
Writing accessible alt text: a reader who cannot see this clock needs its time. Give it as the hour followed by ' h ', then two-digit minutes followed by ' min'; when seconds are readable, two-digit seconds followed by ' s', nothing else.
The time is 4 h 41 min
